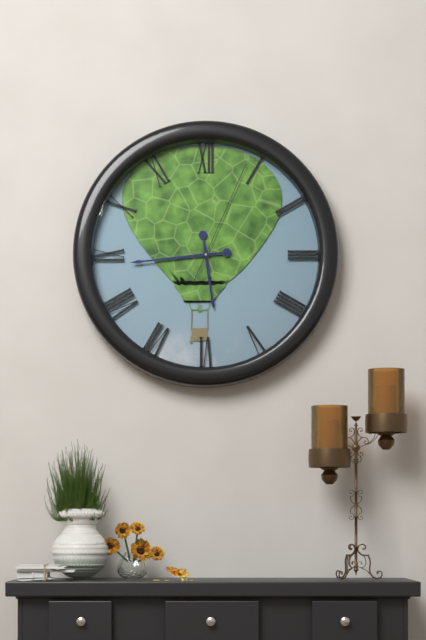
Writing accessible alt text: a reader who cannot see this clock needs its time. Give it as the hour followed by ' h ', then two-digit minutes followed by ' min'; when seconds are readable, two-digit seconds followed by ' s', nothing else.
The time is 5 h 44 min 04 s
